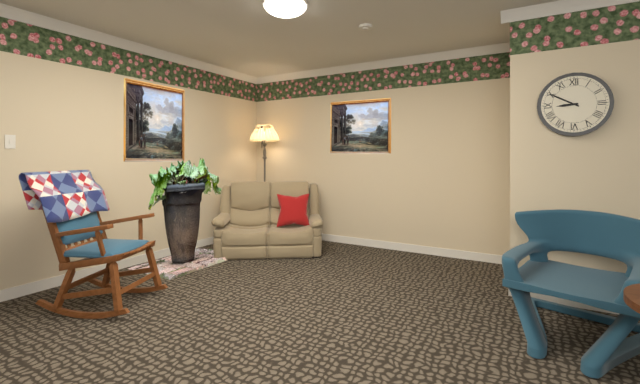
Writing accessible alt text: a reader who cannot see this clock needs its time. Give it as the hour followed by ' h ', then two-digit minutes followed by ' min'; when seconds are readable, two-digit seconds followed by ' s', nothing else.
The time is 8 h 50 min
